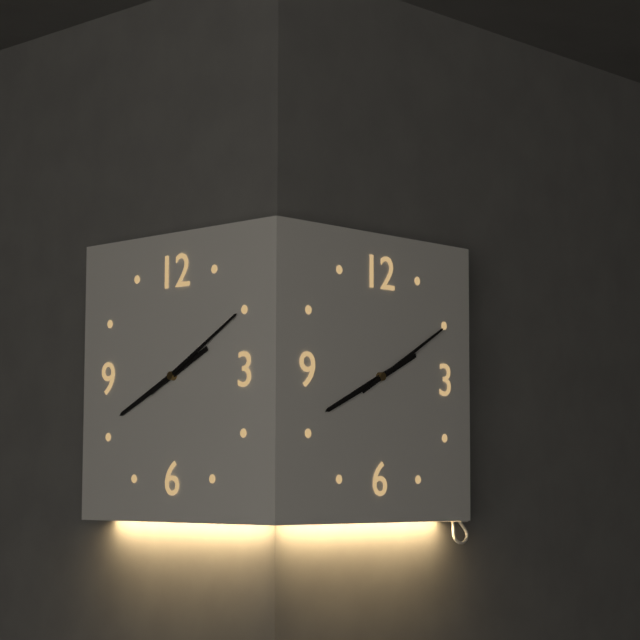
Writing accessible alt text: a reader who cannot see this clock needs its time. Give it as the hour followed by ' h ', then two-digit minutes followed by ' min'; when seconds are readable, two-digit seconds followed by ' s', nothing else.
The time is 8 h 10 min
